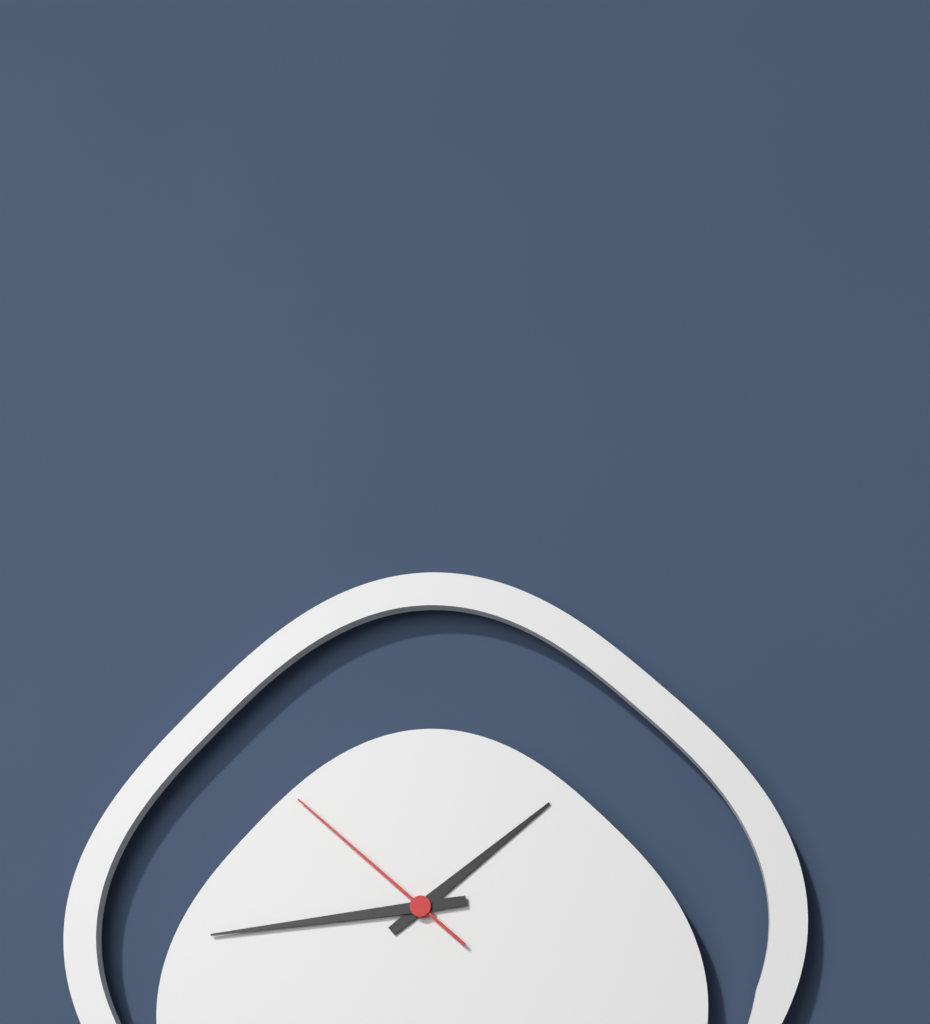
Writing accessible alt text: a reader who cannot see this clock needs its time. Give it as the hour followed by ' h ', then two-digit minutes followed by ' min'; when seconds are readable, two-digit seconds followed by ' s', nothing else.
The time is 1 h 44 min 52 s
